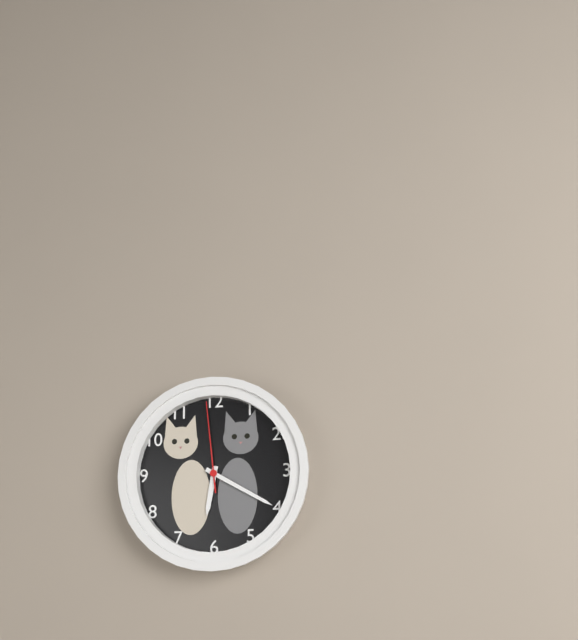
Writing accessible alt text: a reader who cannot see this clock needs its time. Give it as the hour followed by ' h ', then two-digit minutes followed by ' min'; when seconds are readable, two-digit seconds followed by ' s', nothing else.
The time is 6 h 20 min 59 s
